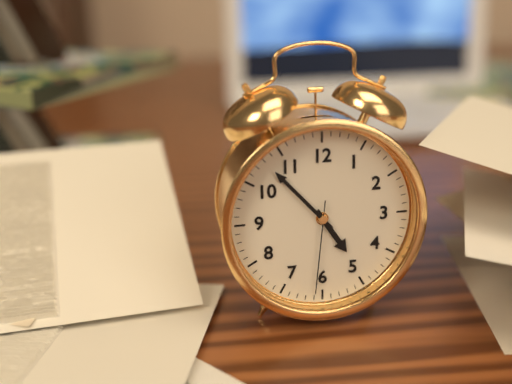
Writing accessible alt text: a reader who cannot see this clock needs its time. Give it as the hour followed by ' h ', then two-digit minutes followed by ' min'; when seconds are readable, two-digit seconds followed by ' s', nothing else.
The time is 4 h 53 min 31 s
